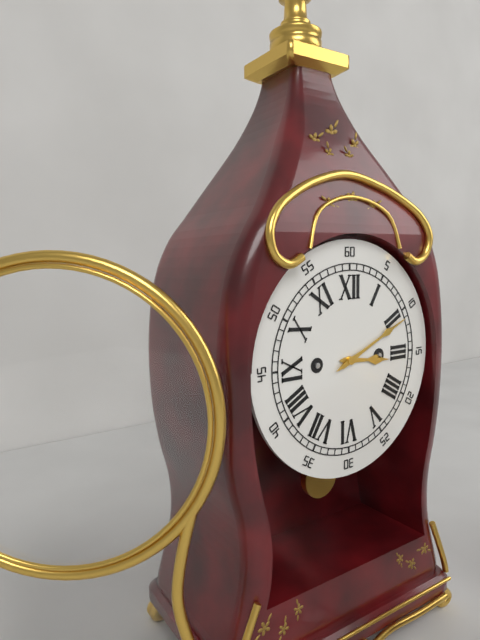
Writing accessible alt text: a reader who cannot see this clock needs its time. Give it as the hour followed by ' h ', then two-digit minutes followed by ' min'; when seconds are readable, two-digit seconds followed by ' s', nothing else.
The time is 3 h 11 min
